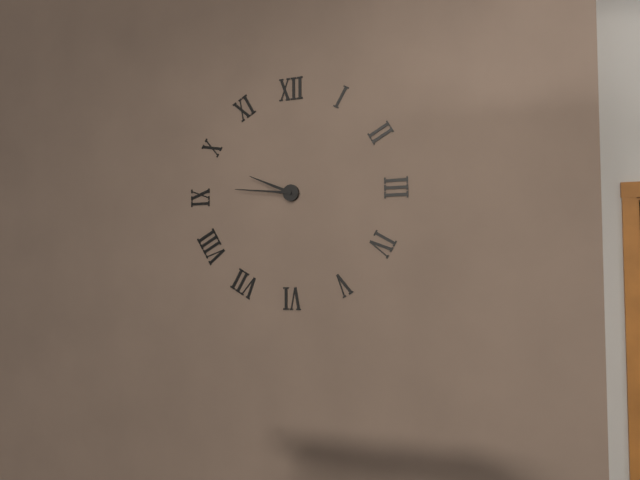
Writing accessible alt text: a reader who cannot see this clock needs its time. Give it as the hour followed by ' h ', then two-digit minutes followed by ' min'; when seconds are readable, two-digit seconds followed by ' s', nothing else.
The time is 9 h 46 min
